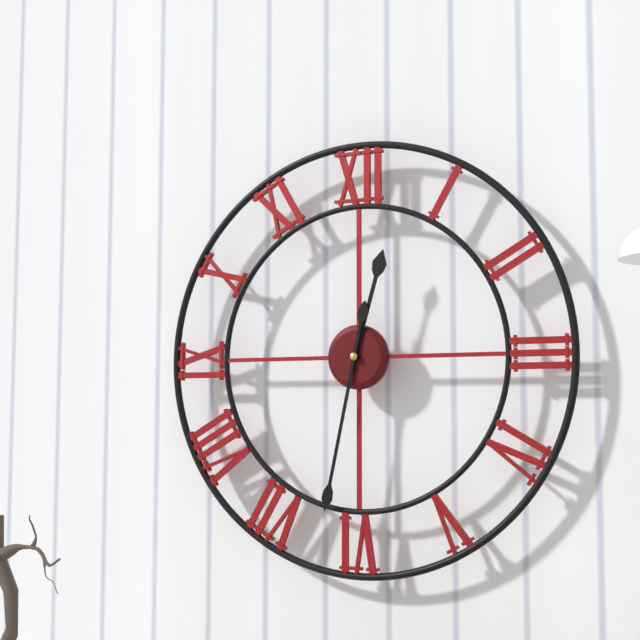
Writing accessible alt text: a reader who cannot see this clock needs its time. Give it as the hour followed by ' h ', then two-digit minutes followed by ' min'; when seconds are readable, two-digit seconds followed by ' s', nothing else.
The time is 12 h 32 min
